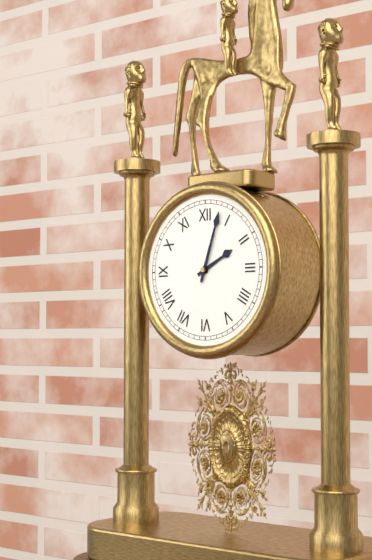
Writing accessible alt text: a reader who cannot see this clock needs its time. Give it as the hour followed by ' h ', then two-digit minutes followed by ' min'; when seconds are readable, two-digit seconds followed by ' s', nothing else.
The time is 2 h 03 min
